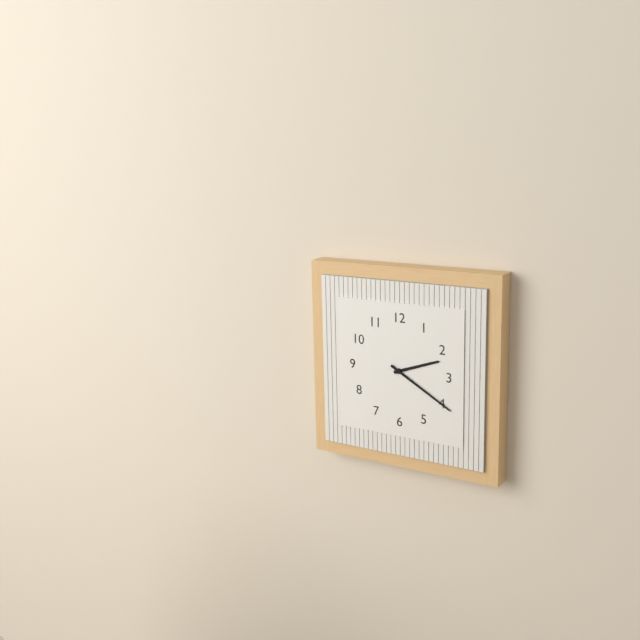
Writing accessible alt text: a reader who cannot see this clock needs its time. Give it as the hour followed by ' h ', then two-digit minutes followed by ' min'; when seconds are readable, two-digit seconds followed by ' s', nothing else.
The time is 2 h 20 min
